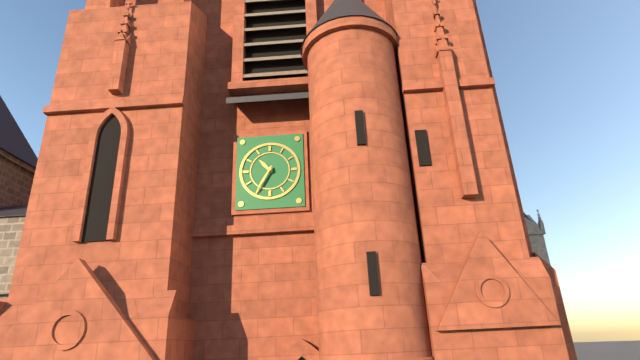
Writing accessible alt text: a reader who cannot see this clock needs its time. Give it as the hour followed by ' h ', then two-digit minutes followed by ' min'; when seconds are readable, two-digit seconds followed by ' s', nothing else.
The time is 10 h 35 min
